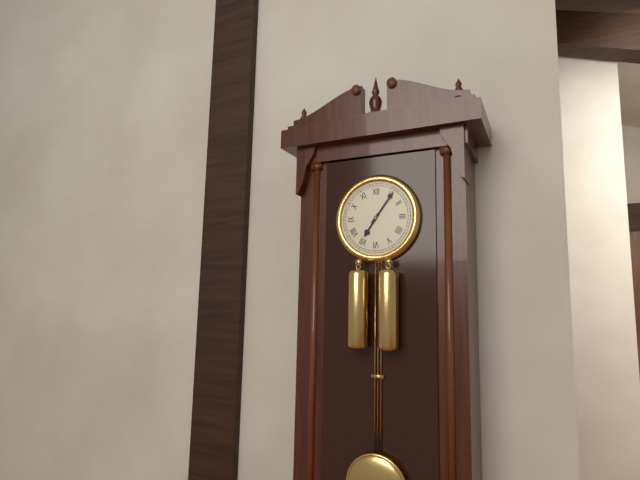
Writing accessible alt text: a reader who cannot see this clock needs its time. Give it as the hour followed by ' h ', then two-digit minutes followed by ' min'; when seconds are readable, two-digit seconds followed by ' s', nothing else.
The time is 7 h 06 min
